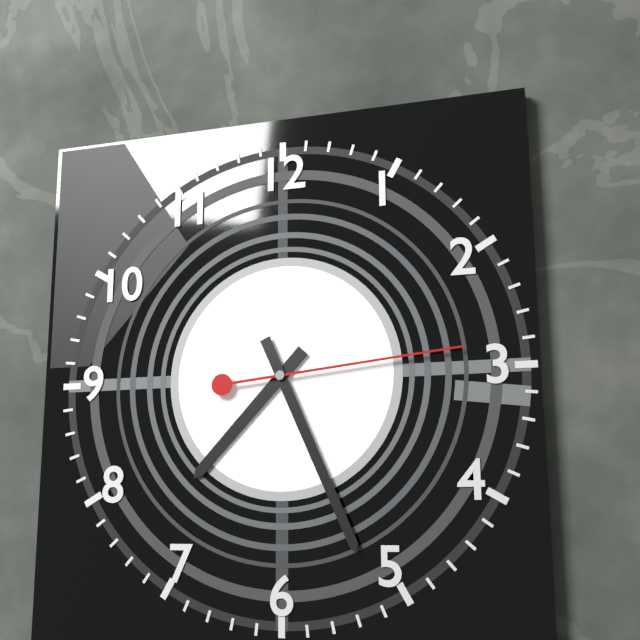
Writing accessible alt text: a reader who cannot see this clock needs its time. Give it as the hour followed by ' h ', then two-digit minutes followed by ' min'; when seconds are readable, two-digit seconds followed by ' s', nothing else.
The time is 7 h 26 min 14 s
